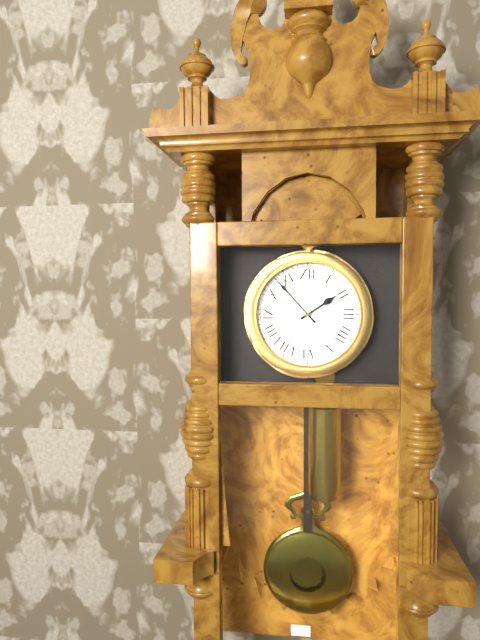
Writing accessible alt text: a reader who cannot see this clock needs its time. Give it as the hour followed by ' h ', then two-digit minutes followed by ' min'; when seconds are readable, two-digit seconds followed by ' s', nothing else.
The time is 1 h 53 min
